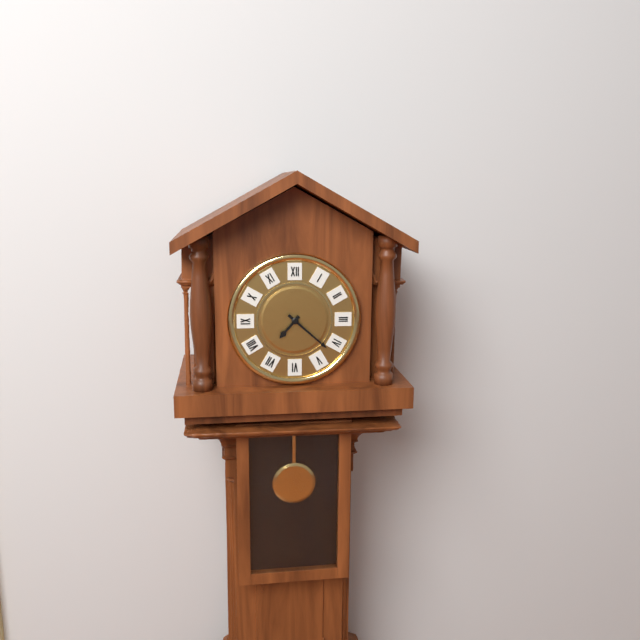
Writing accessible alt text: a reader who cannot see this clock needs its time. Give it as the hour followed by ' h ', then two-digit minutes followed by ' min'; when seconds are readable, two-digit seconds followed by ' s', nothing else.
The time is 7 h 22 min
